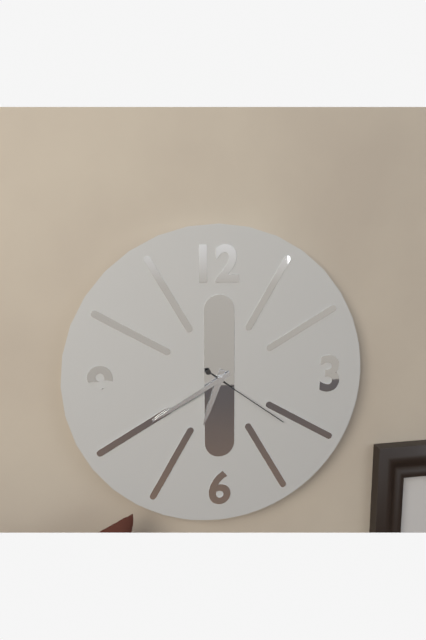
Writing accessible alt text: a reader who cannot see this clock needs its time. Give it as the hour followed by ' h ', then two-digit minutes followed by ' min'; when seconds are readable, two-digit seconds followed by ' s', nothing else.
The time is 6 h 40 min 21 s
